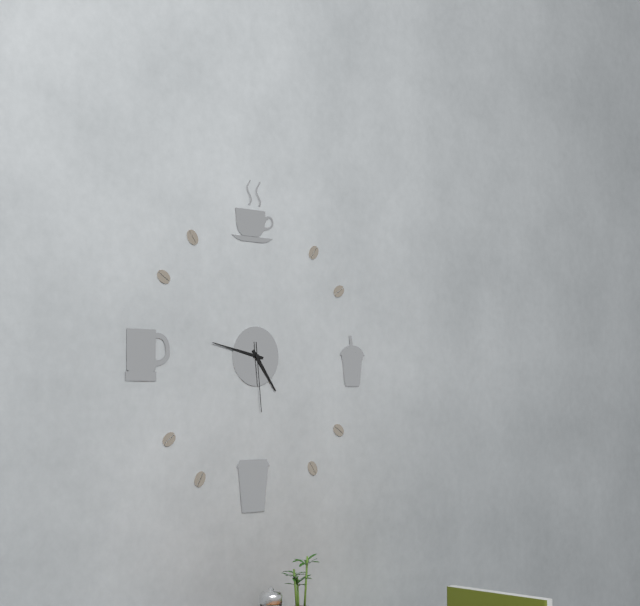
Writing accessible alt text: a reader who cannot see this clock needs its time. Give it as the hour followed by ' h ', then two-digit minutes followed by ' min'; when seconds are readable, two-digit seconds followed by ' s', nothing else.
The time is 4 h 47 min 29 s
